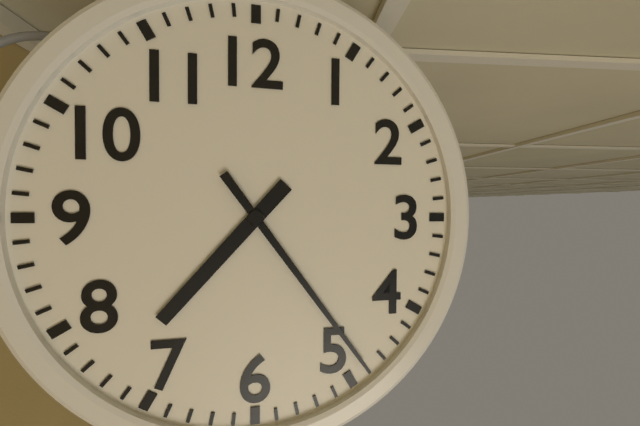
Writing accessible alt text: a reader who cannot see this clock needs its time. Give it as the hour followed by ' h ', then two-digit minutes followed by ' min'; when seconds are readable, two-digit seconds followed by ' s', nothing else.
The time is 7 h 24 min
